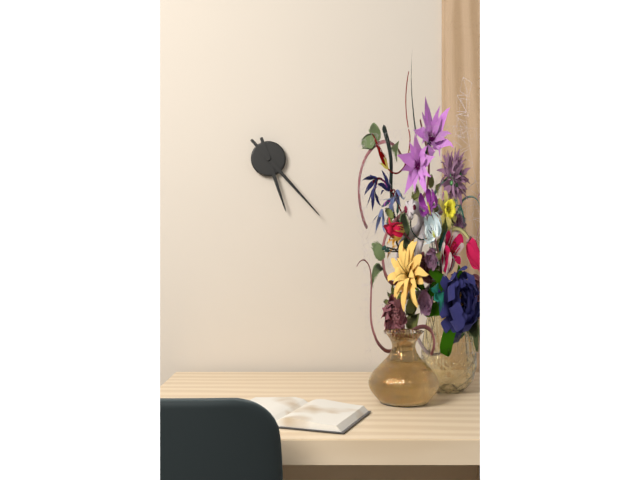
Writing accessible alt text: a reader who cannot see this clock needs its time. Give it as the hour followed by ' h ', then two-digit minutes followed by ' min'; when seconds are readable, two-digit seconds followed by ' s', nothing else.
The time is 5 h 23 min
